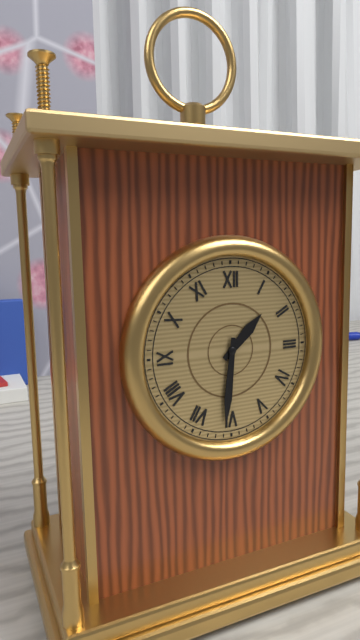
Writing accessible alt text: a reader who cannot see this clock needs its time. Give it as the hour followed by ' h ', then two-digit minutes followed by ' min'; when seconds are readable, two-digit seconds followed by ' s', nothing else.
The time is 1 h 31 min
